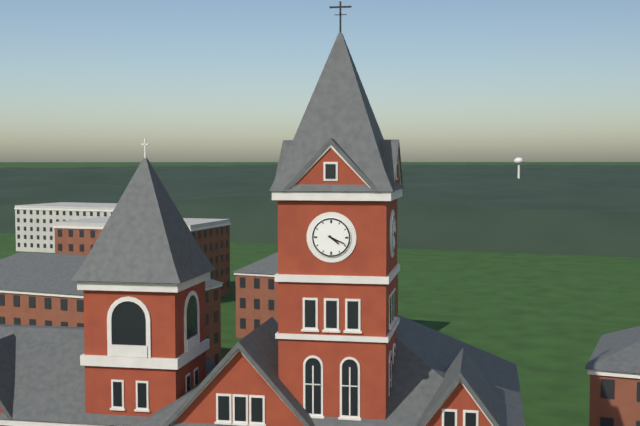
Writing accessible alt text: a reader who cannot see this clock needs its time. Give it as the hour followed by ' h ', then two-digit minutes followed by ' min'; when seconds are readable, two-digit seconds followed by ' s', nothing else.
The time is 4 h 19 min
